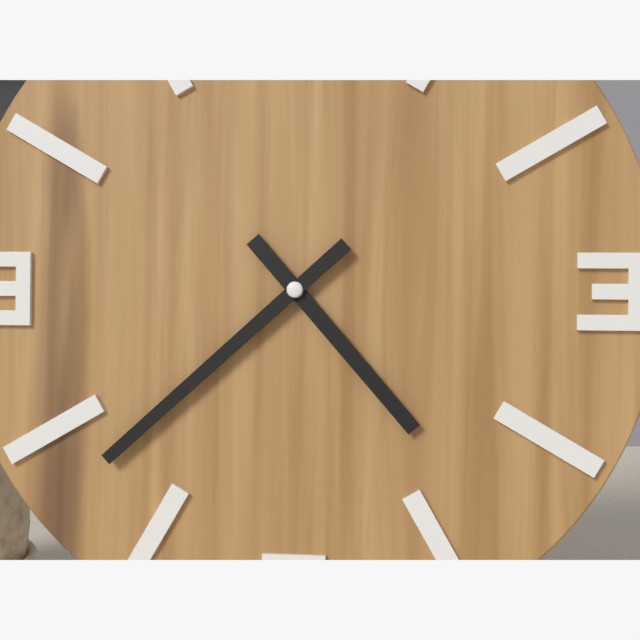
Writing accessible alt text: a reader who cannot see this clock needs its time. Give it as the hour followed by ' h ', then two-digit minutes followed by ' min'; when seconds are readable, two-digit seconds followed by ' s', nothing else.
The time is 4 h 38 min
